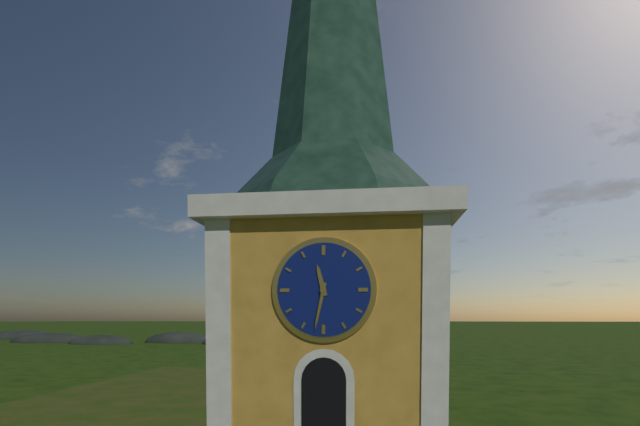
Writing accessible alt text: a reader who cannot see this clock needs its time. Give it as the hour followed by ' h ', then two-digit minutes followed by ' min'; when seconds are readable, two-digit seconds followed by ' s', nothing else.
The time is 11 h 32 min
